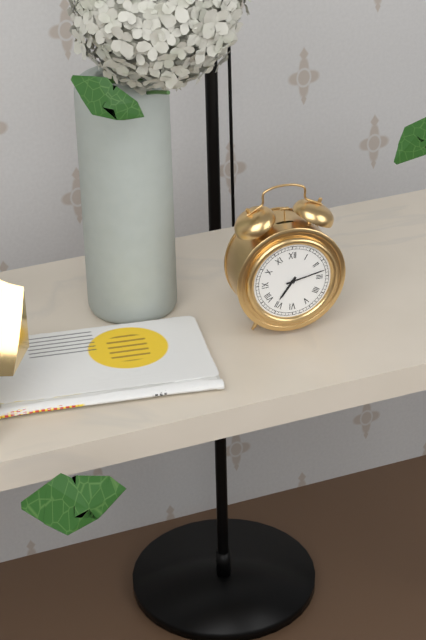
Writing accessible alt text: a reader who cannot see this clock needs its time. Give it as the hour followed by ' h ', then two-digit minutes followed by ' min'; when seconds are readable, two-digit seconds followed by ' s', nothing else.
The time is 7 h 13 min
